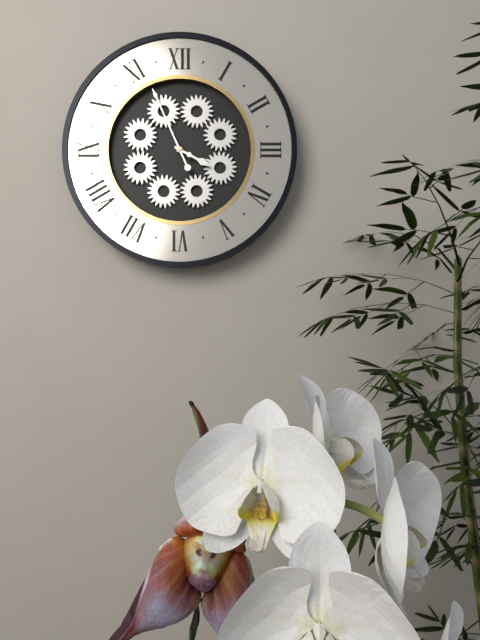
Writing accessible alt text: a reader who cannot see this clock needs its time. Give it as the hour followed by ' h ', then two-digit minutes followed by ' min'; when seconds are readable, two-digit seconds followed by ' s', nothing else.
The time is 3 h 56 min
